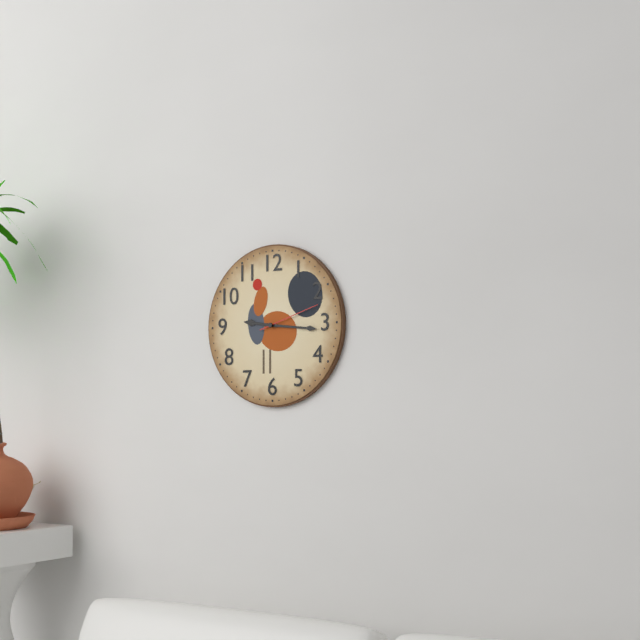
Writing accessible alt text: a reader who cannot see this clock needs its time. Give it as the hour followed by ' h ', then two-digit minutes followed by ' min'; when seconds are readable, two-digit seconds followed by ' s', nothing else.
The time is 9 h 16 min 12 s
